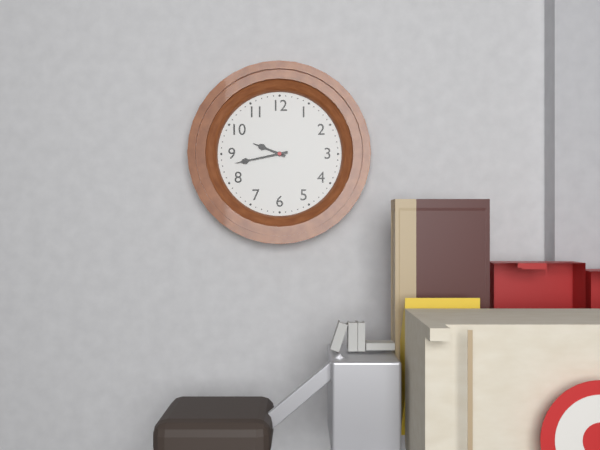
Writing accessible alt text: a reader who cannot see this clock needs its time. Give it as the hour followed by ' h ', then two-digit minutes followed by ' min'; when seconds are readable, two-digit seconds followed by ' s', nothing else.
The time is 9 h 43 min
